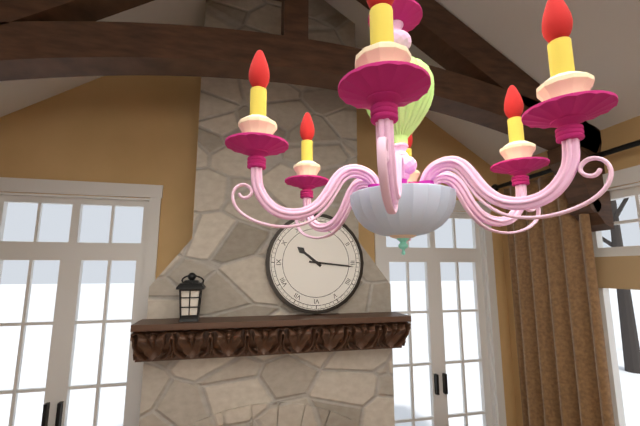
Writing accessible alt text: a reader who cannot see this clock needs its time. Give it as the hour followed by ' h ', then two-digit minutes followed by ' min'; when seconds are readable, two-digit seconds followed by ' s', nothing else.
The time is 10 h 16 min
